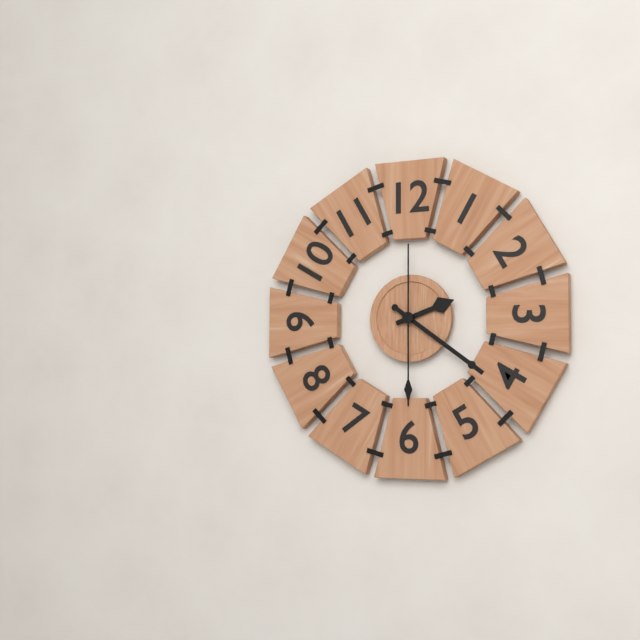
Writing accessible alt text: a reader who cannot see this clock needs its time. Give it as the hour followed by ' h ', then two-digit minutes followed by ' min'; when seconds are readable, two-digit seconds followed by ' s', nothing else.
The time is 2 h 21 min 30 s
